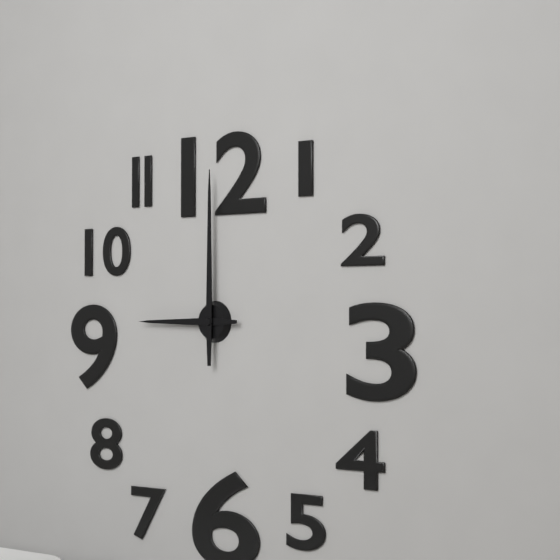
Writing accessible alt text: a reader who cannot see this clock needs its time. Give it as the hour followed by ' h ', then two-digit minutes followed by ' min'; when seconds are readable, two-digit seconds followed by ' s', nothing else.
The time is 9 h 00 min
